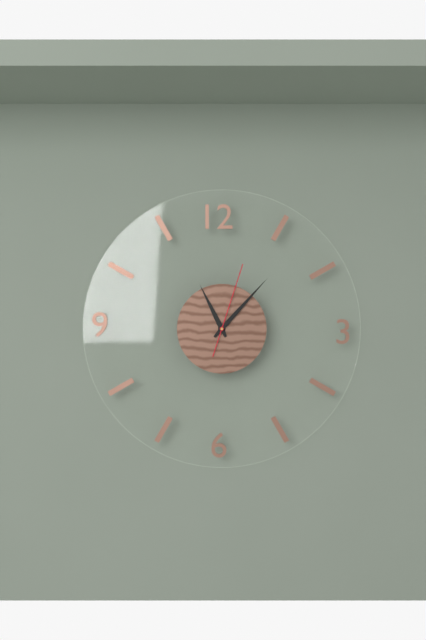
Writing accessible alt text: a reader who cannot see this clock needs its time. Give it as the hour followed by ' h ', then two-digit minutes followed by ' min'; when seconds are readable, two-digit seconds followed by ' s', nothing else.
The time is 11 h 07 min 03 s
